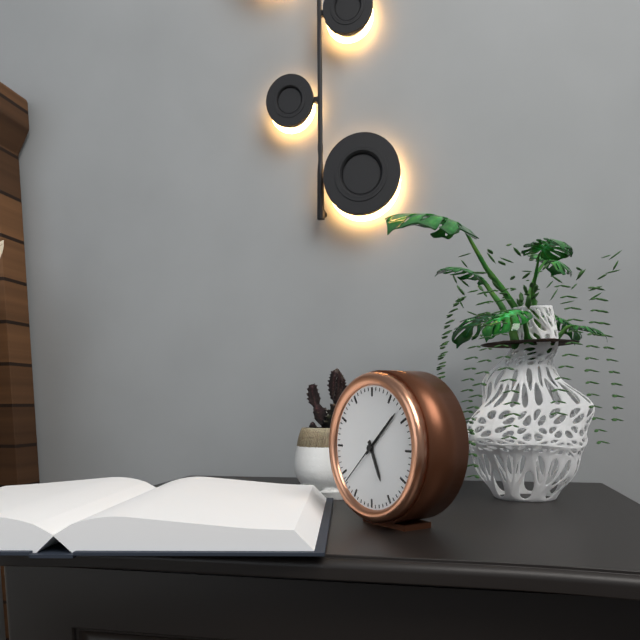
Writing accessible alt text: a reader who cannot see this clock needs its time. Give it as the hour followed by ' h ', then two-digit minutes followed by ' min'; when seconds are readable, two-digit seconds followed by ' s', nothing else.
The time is 5 h 08 min 38 s
